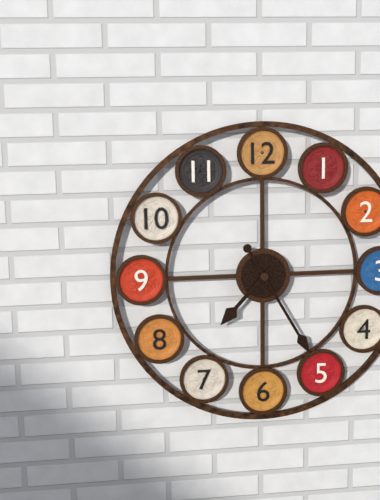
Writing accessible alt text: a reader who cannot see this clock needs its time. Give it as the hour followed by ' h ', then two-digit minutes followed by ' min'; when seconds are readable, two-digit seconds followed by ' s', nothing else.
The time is 7 h 25 min
